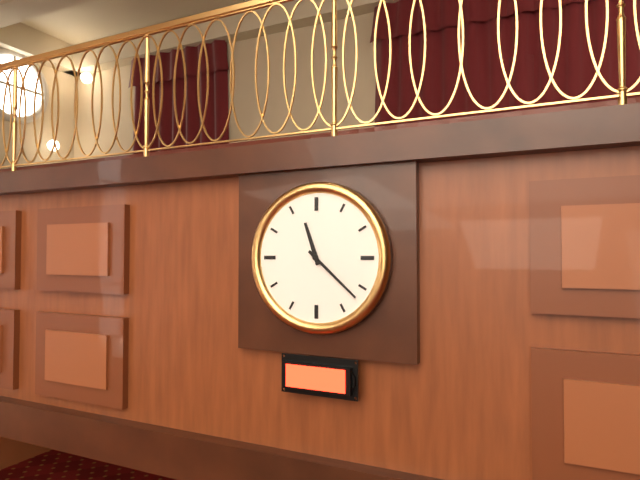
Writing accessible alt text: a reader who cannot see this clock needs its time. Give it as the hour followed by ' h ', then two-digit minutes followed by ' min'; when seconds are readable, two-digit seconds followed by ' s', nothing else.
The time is 11 h 22 min
